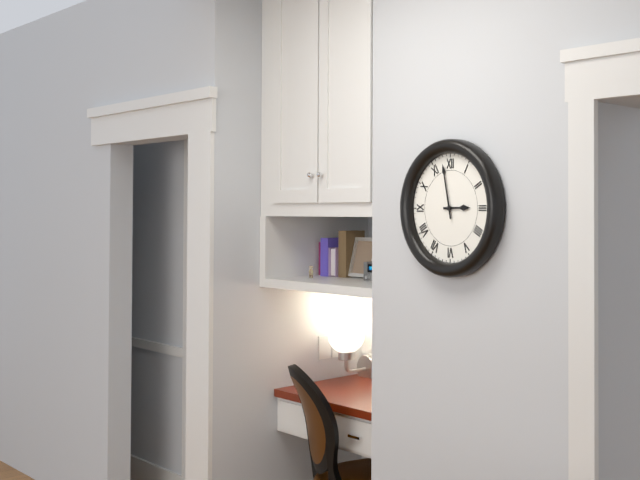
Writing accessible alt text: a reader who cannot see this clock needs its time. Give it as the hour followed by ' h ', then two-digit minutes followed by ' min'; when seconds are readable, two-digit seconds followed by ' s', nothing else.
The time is 2 h 58 min
